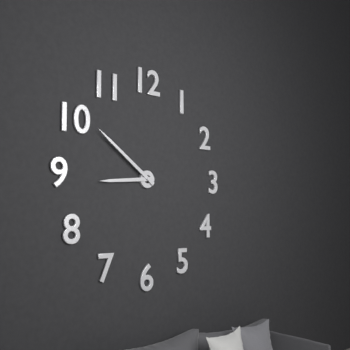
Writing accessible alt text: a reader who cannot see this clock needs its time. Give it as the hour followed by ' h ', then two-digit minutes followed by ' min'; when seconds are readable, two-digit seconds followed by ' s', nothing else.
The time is 8 h 51 min
